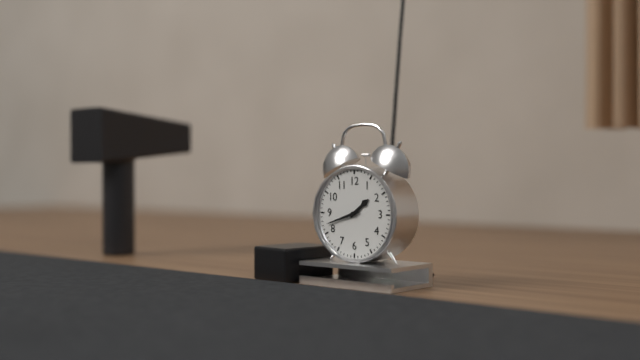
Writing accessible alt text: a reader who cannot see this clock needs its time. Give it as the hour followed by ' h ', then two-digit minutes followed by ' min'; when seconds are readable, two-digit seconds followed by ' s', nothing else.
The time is 1 h 42 min
